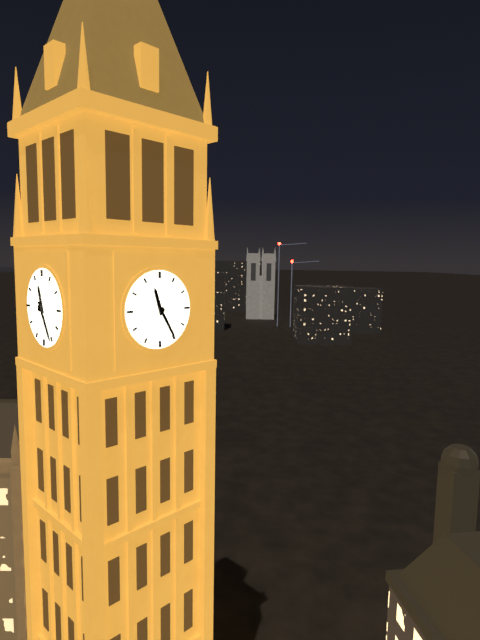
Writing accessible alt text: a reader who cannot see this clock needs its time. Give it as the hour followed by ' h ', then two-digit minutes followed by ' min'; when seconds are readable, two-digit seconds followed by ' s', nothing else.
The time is 11 h 25 min
